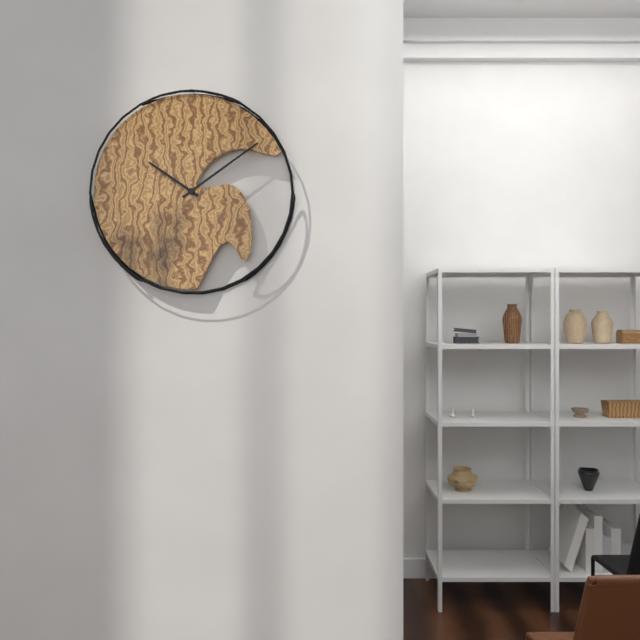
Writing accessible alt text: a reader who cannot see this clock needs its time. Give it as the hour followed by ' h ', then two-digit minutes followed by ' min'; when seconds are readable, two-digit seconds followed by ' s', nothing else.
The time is 10 h 09 min
